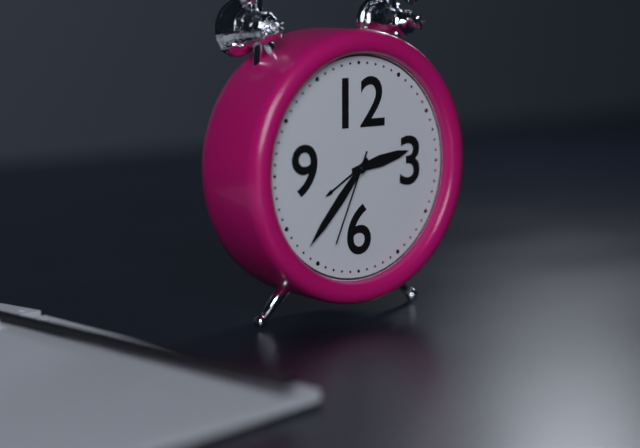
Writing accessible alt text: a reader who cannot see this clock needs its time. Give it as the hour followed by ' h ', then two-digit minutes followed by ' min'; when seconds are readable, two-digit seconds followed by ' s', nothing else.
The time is 2 h 37 min 34 s
